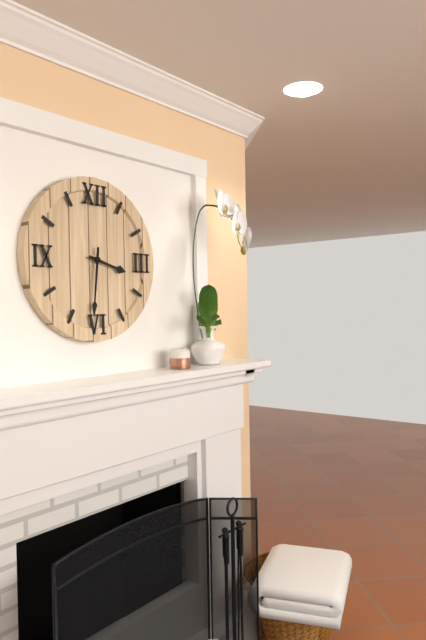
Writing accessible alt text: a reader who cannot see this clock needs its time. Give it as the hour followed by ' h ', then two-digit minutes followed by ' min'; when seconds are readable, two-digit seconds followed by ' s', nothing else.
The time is 3 h 31 min
